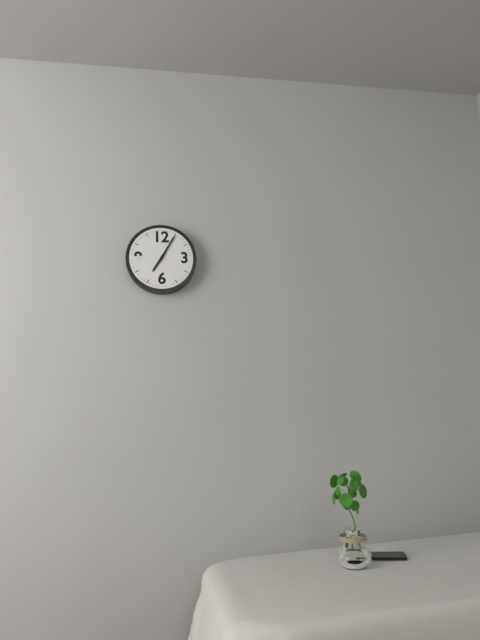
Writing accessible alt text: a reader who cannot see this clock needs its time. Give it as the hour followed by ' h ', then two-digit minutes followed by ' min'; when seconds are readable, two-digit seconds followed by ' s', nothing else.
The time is 7 h 05 min
